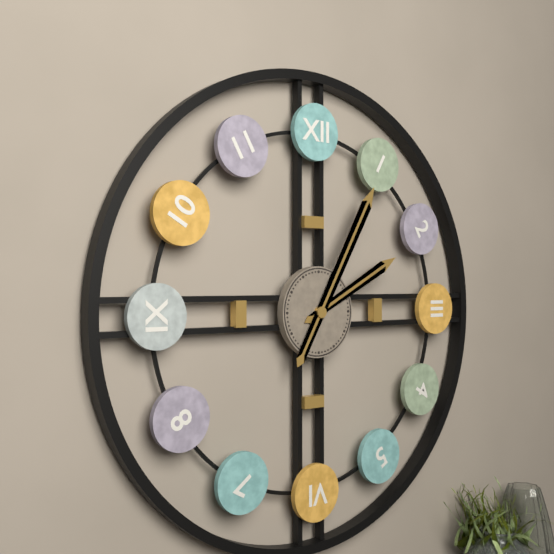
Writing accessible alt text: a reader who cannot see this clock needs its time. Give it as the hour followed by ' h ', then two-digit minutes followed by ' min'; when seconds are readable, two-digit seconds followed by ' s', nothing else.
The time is 2 h 05 min
